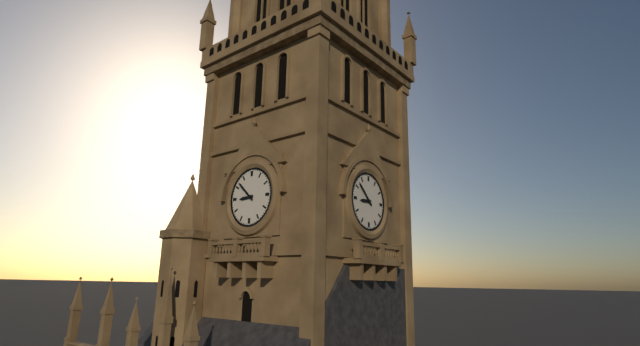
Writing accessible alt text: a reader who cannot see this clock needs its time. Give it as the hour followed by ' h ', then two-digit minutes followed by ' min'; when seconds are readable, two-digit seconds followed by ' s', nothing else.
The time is 8 h 52 min
